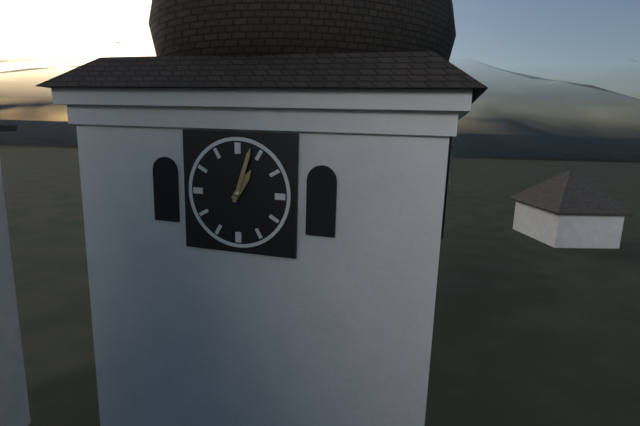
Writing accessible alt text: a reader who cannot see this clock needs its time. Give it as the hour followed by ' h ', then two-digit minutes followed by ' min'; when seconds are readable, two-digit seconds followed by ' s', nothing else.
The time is 1 h 03 min
